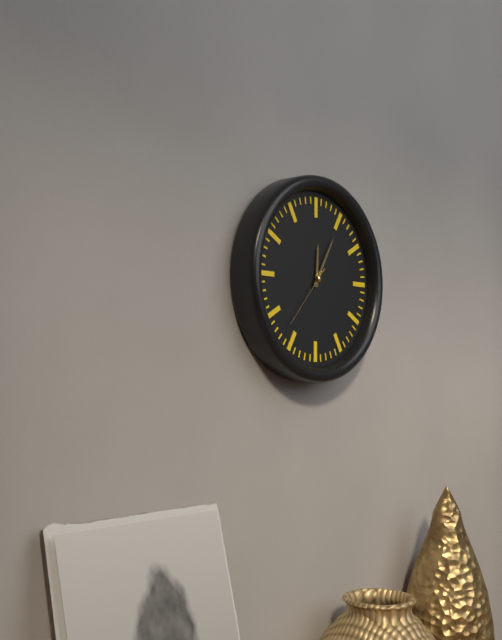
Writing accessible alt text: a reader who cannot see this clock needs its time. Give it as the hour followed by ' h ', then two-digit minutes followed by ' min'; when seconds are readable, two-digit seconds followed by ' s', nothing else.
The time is 12 h 05 min 37 s
